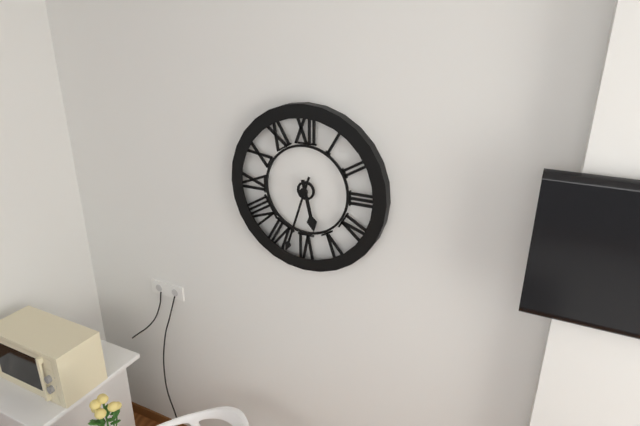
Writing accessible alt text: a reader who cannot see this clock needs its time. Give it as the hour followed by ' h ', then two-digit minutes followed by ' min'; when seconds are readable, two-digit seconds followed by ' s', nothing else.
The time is 5 h 33 min
